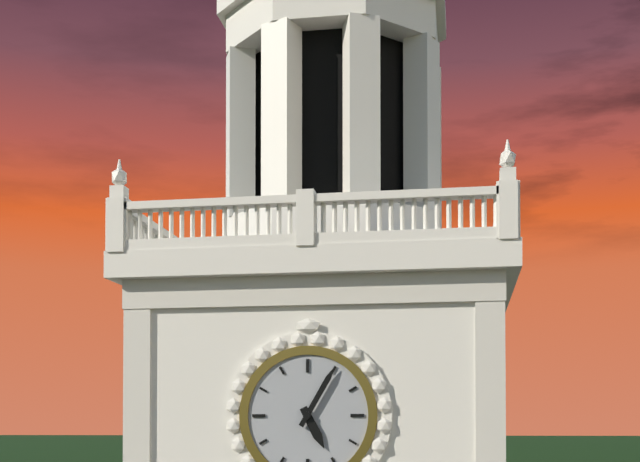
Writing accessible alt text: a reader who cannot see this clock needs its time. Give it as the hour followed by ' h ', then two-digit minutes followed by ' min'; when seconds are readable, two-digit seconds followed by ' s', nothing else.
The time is 5 h 05 min
